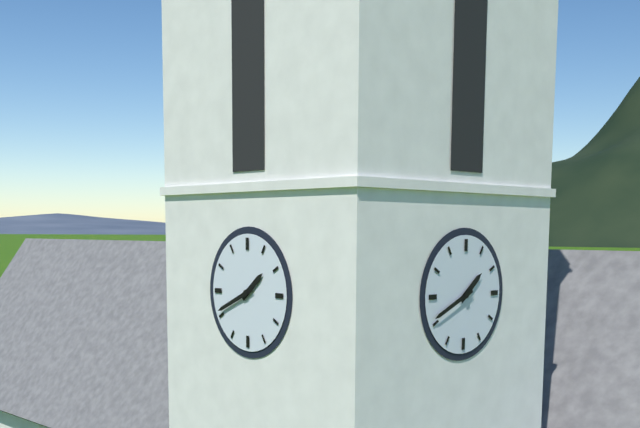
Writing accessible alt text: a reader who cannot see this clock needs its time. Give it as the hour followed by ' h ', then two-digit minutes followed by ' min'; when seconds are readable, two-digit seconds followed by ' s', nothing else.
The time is 1 h 41 min
